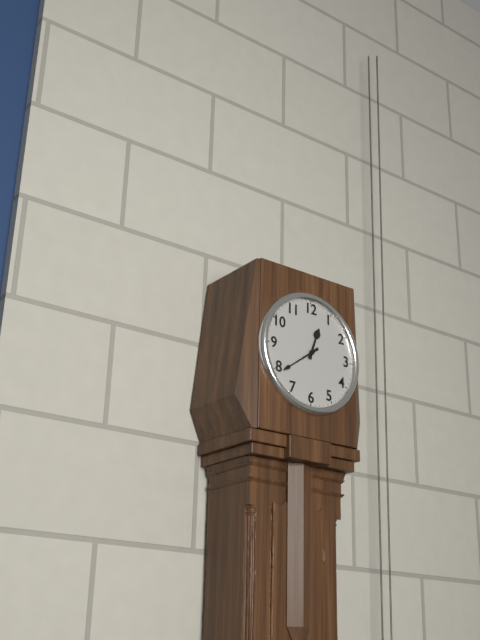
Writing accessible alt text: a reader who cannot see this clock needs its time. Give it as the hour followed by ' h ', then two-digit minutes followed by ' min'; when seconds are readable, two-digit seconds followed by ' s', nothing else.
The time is 12 h 39 min
